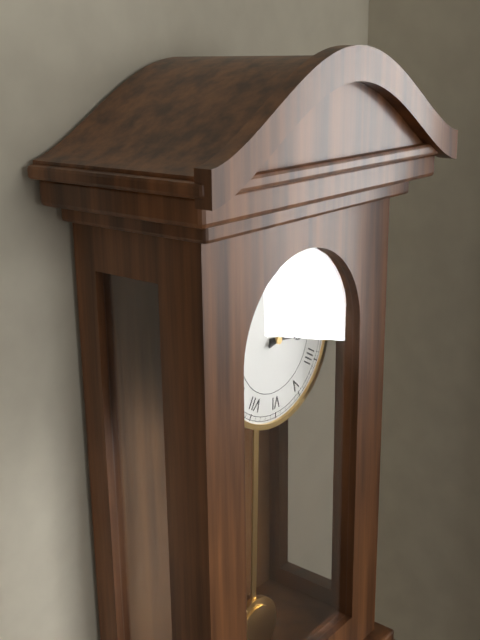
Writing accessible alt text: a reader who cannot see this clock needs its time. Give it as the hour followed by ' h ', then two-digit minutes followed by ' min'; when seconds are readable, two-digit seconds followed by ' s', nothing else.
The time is 3 h 13 min
